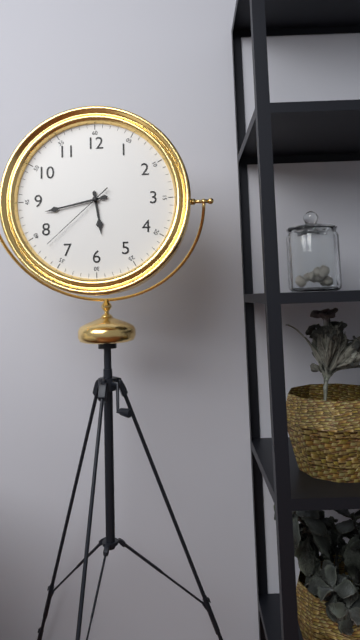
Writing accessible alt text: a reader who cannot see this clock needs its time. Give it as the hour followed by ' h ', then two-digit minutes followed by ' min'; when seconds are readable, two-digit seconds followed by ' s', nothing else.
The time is 5 h 43 min 38 s
